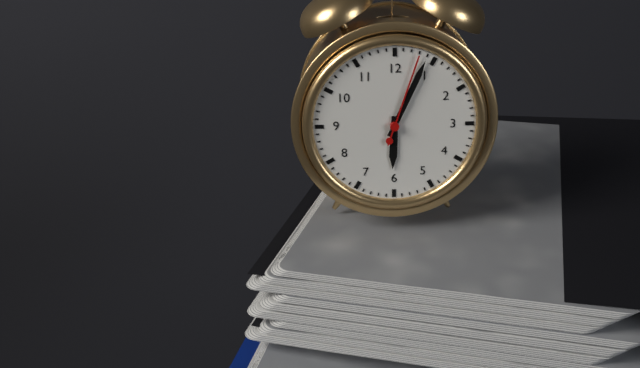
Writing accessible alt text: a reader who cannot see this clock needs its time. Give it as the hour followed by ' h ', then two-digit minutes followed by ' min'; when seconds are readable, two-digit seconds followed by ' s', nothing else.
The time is 6 h 04 min 03 s
